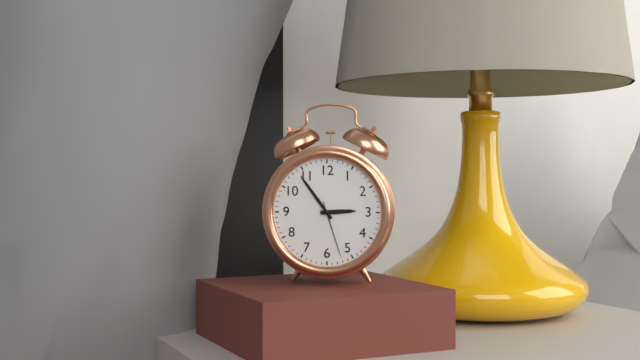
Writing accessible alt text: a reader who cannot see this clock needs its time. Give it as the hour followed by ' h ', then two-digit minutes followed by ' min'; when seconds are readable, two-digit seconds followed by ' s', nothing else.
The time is 2 h 54 min 27 s
